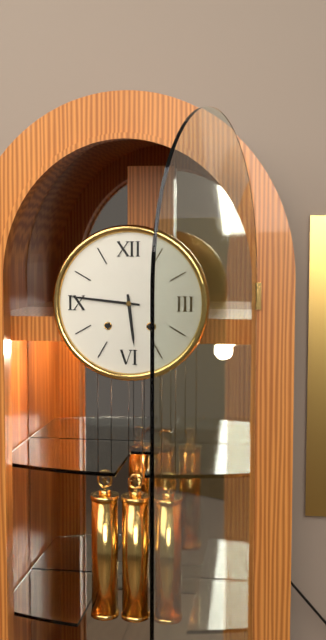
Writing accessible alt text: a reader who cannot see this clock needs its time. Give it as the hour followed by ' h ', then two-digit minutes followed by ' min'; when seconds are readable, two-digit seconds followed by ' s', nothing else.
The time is 5 h 46 min
